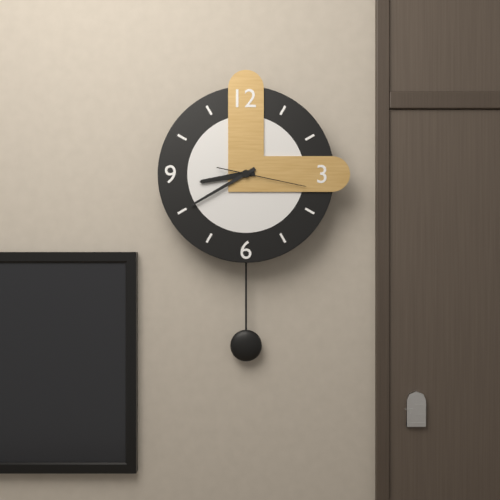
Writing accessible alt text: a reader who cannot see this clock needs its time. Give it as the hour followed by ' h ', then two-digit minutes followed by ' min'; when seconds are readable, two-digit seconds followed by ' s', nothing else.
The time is 8 h 40 min 17 s
